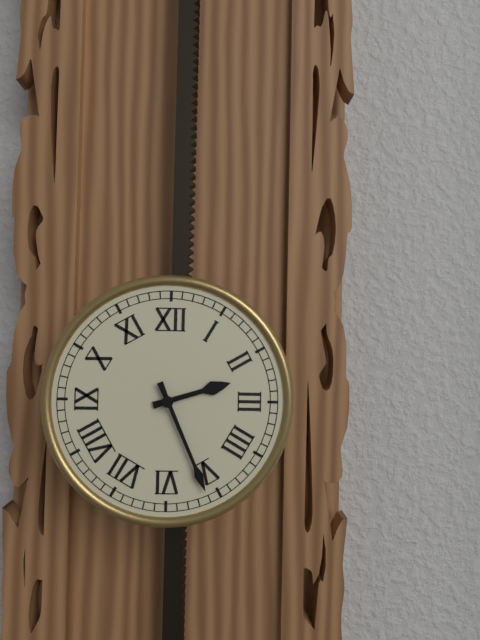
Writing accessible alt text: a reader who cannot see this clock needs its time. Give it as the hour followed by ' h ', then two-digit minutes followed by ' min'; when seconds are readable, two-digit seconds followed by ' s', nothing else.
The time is 2 h 26 min
